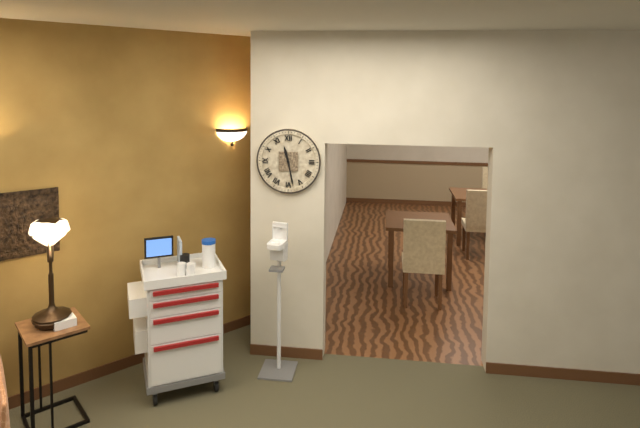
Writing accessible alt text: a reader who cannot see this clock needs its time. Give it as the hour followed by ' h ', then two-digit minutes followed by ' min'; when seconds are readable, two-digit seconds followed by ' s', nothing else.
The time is 11 h 28 min
